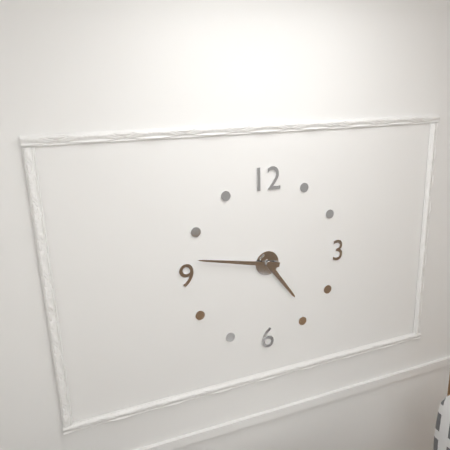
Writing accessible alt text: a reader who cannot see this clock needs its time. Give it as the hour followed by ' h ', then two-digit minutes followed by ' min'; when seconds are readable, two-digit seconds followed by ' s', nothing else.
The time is 4 h 47 min
